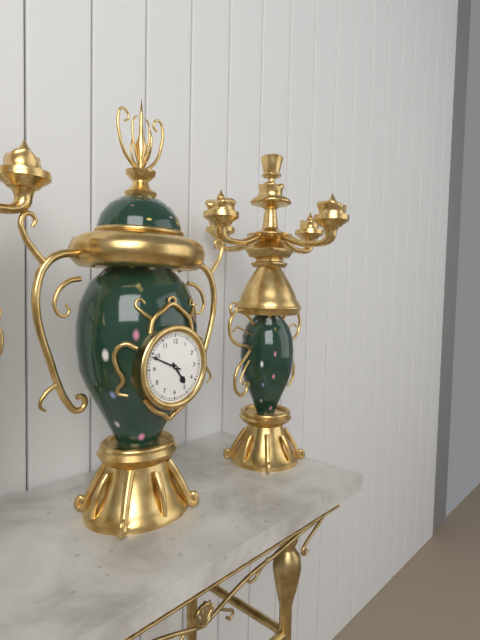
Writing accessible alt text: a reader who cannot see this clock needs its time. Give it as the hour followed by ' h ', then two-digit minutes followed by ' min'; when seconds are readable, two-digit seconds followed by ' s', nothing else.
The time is 4 h 49 min
